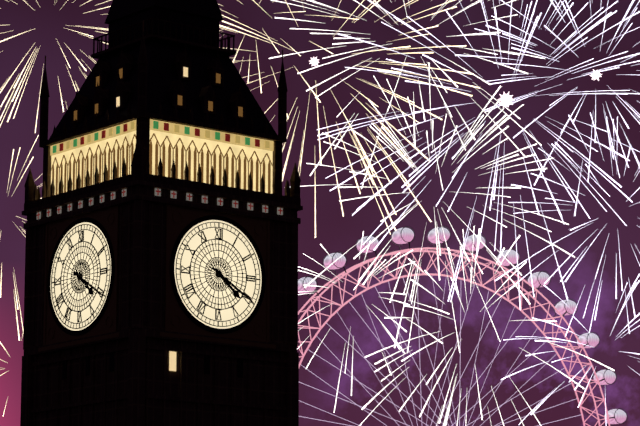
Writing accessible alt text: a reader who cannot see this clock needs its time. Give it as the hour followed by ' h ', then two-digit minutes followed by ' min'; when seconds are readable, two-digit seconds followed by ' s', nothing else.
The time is 4 h 20 min
